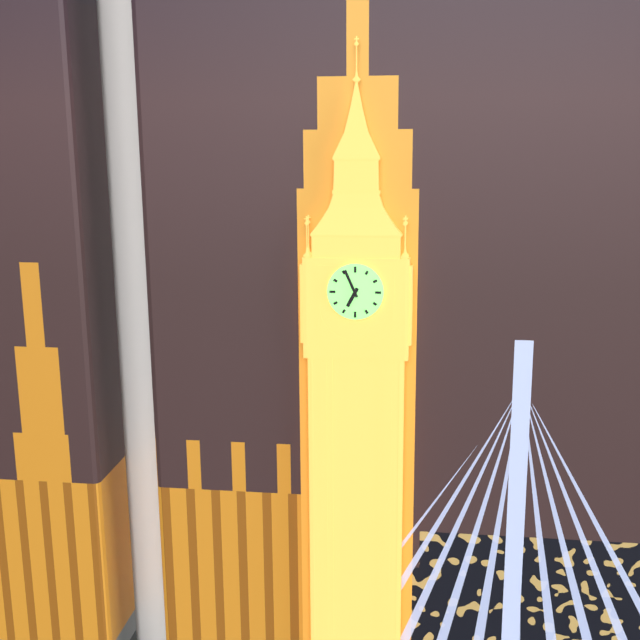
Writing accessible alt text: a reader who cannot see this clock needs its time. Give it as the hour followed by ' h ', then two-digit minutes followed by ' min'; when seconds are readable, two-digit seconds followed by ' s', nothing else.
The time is 6 h 56 min
